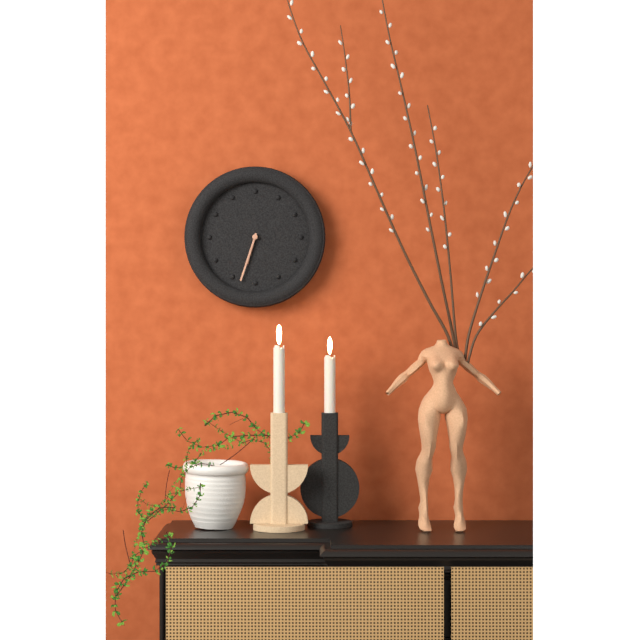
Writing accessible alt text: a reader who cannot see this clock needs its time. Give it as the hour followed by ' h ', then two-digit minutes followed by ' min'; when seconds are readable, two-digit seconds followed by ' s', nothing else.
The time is 6 h 33 min
